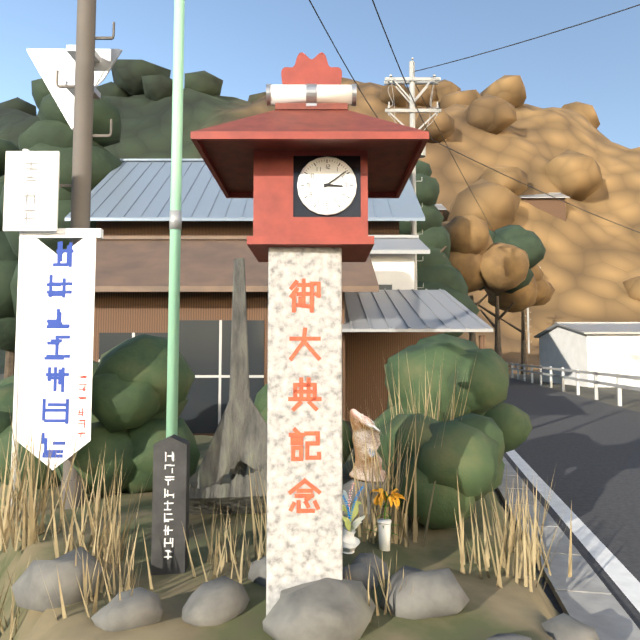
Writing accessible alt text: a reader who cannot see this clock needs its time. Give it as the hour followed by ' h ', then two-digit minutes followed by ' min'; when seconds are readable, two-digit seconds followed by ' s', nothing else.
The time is 3 h 09 min
